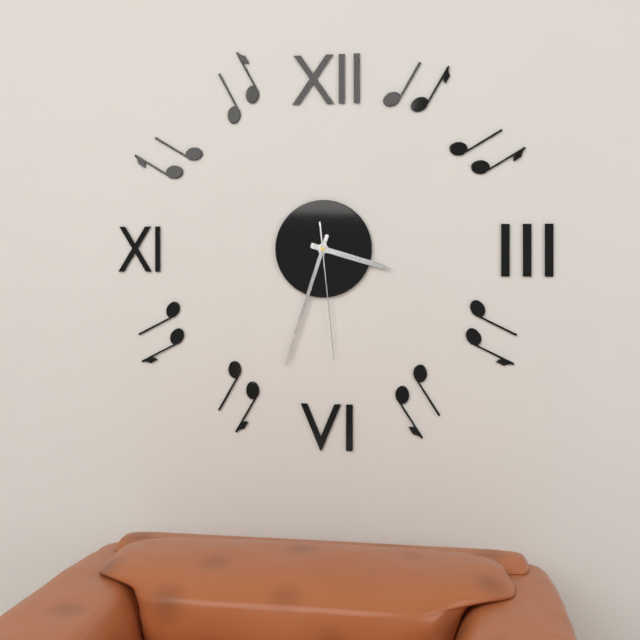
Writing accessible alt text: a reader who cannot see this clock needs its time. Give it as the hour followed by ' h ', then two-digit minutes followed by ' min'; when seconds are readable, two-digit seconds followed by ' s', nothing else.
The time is 3 h 33 min 29 s
